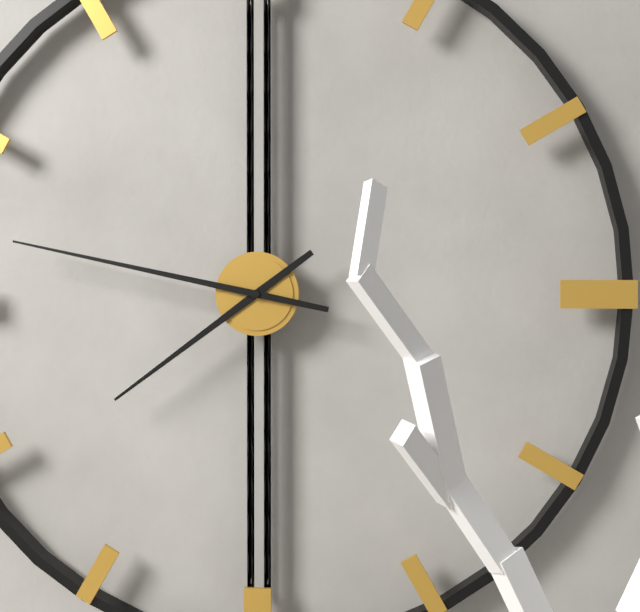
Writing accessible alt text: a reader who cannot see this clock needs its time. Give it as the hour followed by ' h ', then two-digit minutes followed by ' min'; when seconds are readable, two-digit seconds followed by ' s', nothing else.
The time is 7 h 47 min
